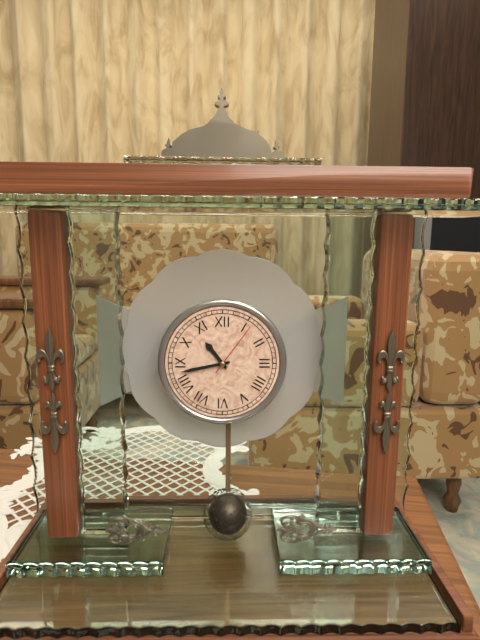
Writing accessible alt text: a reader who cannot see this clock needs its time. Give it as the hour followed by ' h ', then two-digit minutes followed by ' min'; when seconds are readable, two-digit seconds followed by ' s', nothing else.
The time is 10 h 43 min 06 s
